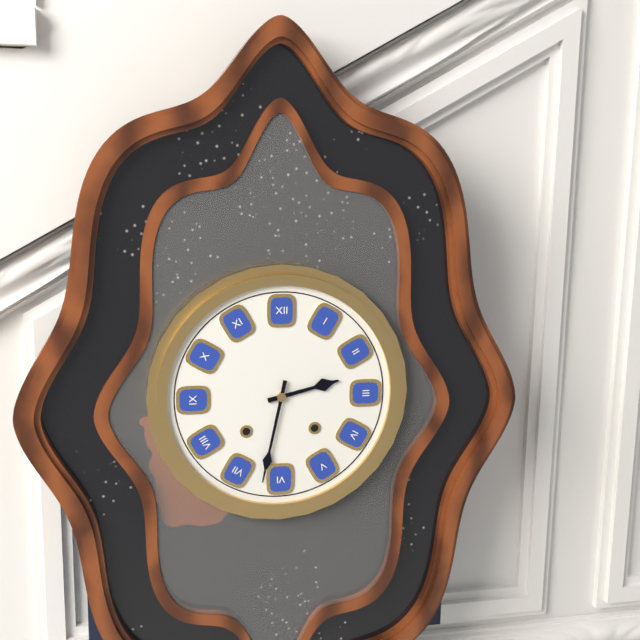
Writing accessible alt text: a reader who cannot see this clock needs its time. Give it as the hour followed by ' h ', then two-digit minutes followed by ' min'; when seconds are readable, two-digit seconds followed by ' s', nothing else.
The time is 2 h 32 min
